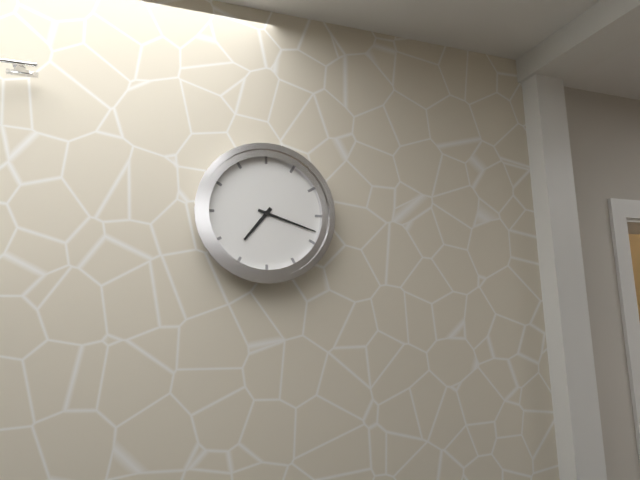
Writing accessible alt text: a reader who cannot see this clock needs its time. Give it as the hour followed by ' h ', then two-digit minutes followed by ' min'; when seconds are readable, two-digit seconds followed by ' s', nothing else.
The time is 7 h 18 min
